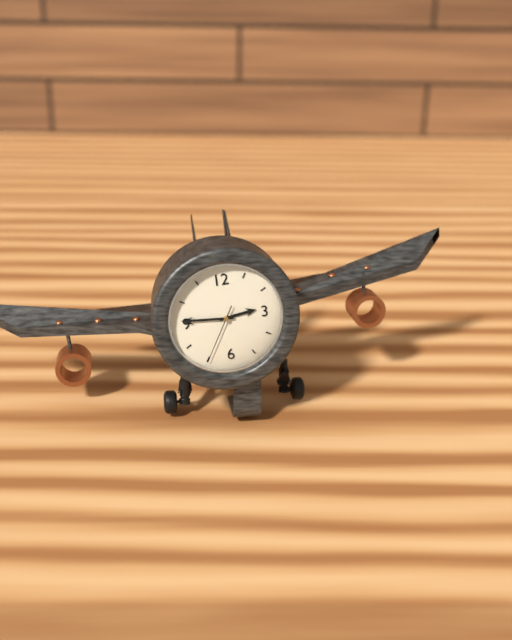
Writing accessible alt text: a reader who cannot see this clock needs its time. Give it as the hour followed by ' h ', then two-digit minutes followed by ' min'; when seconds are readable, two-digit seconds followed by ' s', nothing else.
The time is 2 h 46 min 35 s
